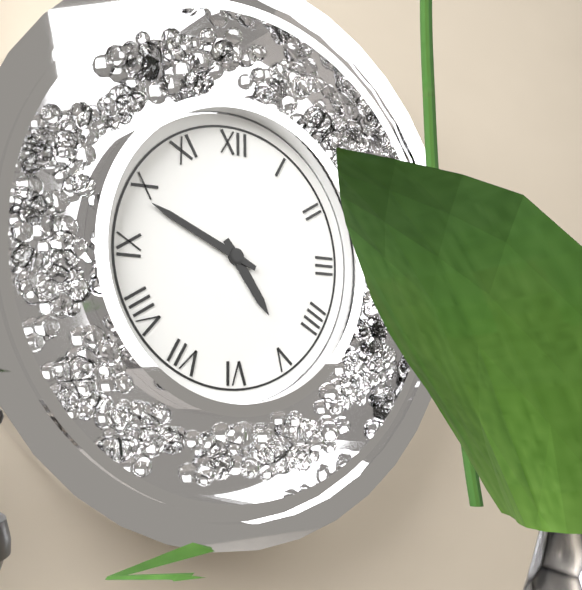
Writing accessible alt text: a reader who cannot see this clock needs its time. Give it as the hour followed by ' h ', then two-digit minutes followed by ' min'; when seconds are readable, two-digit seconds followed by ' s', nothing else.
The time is 4 h 49 min
